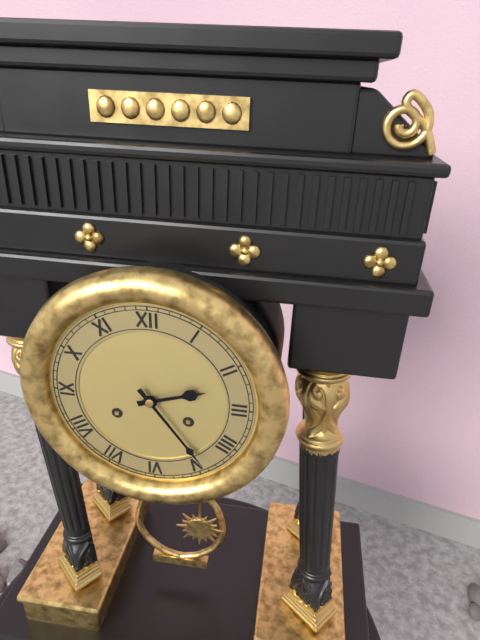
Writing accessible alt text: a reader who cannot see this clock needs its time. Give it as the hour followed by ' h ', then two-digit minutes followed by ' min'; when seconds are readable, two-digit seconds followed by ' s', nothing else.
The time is 2 h 24 min
